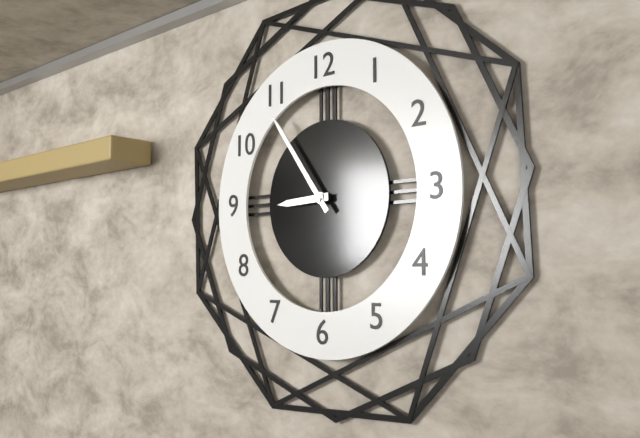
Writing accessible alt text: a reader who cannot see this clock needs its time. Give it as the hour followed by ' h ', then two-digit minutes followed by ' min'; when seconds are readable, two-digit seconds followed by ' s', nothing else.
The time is 8 h 54 min
